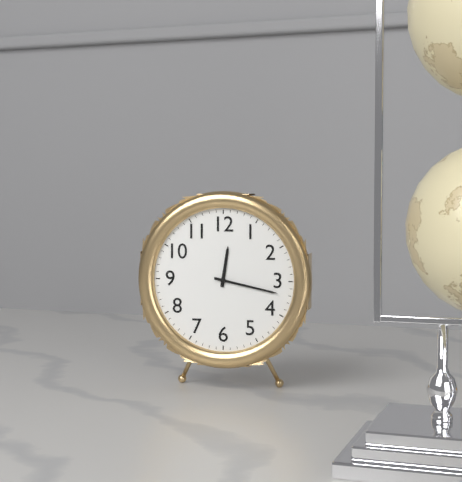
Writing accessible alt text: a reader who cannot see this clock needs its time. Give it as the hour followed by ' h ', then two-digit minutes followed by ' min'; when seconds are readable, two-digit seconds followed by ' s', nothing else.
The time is 12 h 17 min
